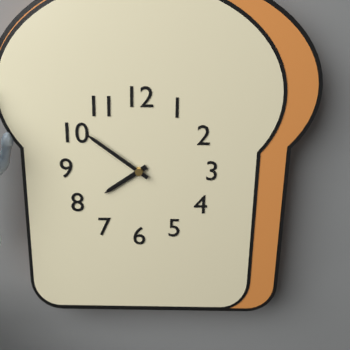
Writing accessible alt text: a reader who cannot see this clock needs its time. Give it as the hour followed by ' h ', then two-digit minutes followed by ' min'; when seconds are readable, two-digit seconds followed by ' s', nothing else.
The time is 7 h 51 min
